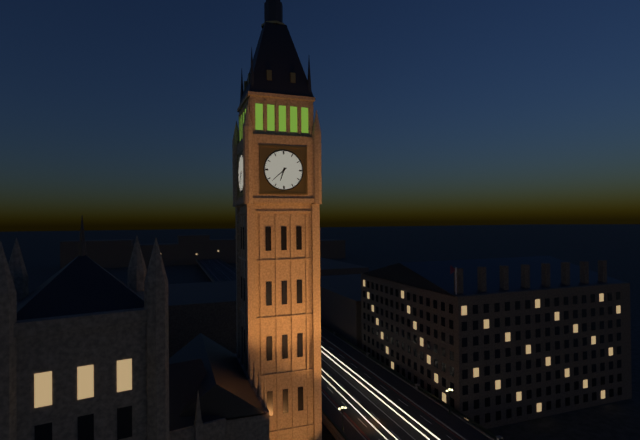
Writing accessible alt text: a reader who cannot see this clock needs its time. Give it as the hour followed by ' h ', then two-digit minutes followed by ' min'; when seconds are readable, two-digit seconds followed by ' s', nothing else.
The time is 6 h 38 min
